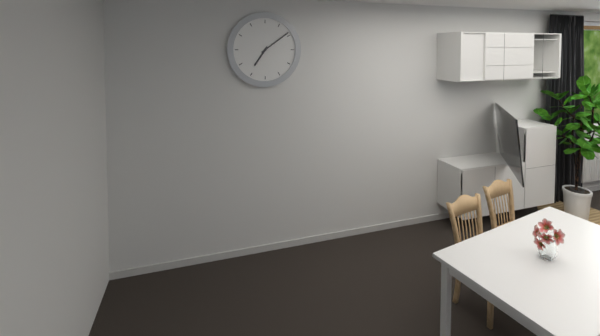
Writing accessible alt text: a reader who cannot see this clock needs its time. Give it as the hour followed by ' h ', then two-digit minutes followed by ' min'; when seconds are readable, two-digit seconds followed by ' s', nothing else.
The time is 7 h 09 min
